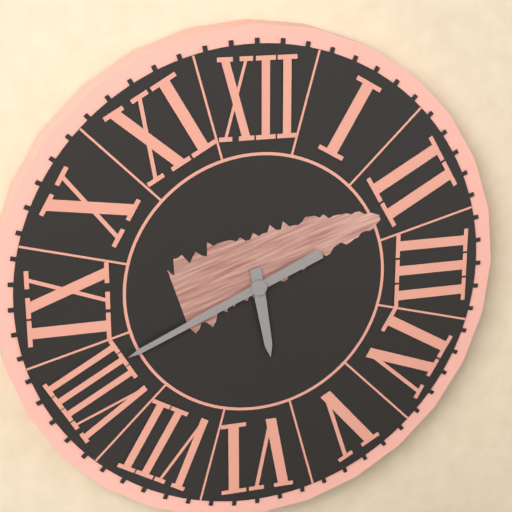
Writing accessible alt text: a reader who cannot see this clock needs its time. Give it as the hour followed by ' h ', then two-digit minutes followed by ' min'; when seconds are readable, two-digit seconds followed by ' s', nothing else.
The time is 5 h 41 min
